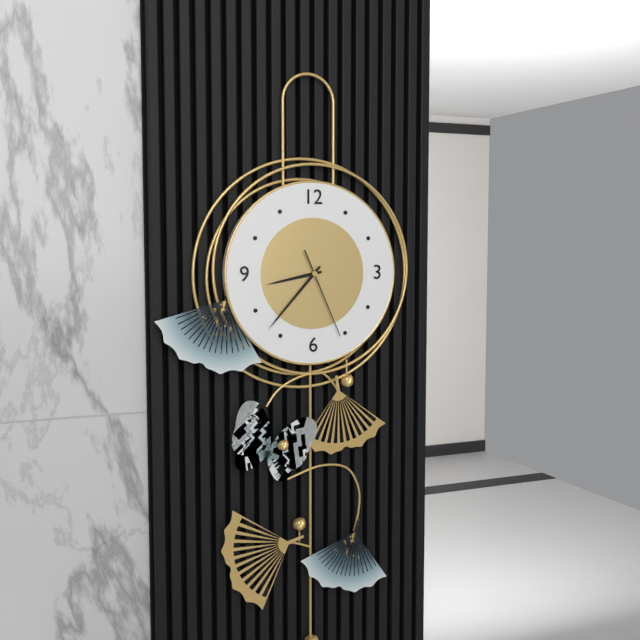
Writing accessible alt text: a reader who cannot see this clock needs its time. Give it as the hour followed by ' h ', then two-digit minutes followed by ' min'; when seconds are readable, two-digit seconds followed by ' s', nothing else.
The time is 8 h 37 min 26 s
